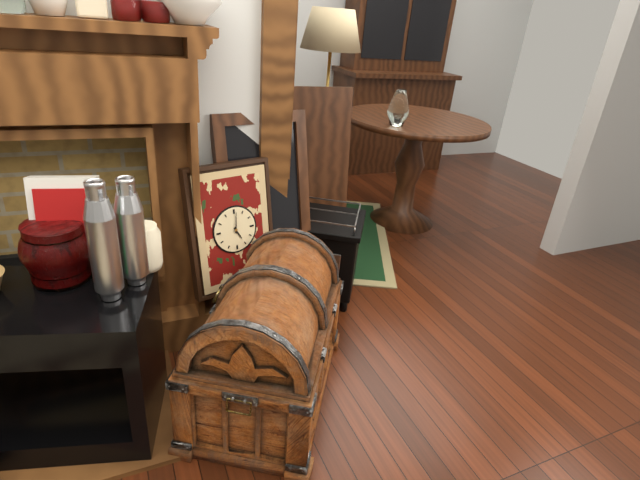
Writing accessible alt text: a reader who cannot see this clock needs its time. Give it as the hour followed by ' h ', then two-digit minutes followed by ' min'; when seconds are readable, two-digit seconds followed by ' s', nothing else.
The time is 5 h 01 min
